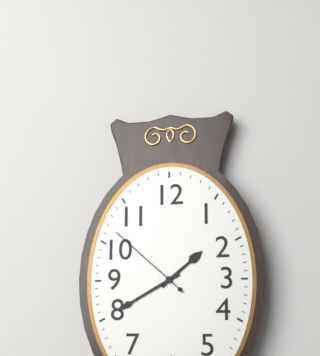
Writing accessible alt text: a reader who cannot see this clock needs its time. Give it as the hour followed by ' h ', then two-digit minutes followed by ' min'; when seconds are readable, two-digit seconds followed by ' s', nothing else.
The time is 1 h 40 min 52 s
